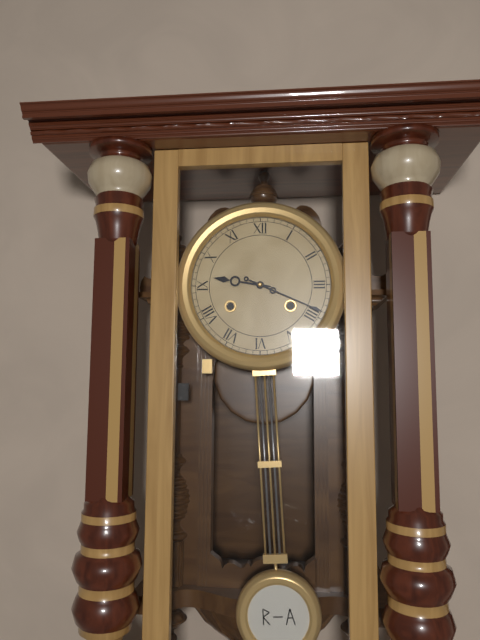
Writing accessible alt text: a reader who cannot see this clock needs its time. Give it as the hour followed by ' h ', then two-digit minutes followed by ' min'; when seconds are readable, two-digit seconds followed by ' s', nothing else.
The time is 9 h 19 min
